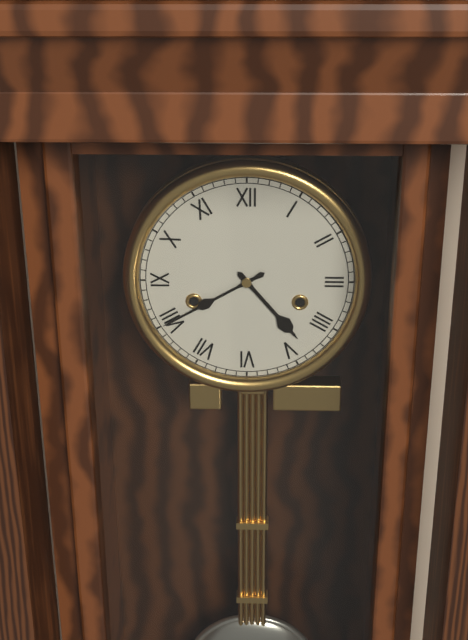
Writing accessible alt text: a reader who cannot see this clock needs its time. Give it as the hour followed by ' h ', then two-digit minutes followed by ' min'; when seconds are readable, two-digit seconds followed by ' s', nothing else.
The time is 4 h 40 min
